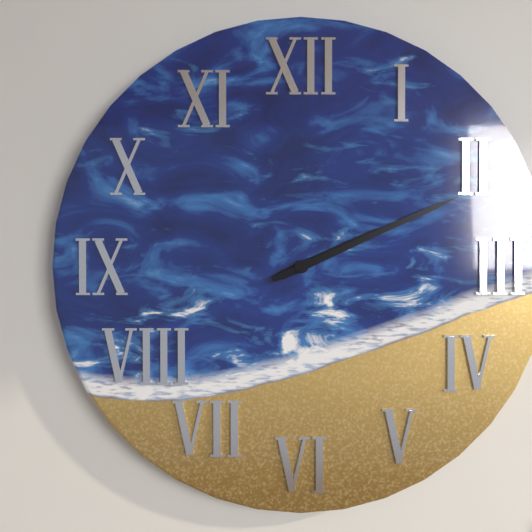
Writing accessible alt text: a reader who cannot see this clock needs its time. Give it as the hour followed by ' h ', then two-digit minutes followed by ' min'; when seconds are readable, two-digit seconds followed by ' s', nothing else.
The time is 2 h 11 min
